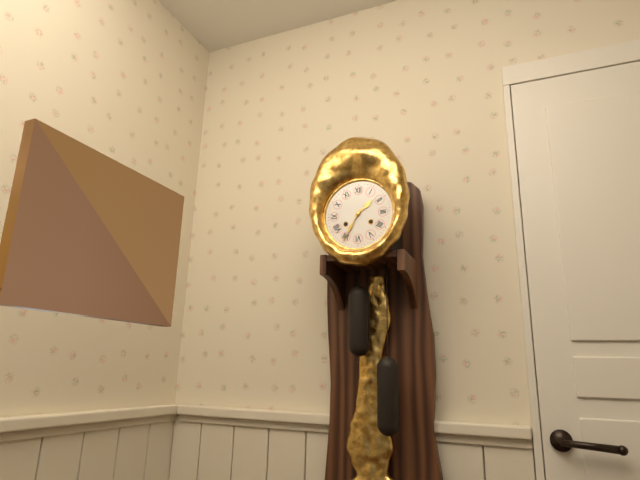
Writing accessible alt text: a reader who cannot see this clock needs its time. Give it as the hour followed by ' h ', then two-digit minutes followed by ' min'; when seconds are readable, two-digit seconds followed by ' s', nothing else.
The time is 1 h 35 min
